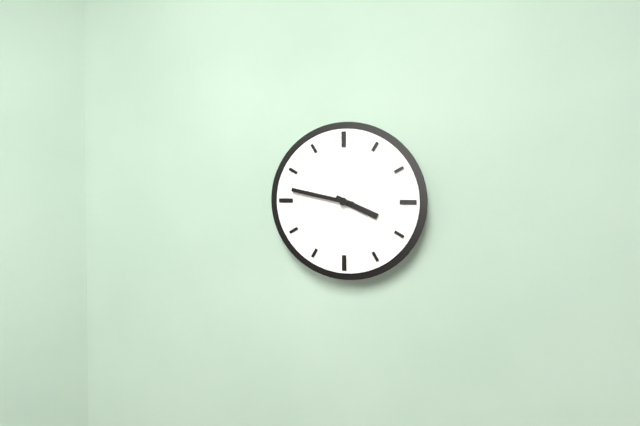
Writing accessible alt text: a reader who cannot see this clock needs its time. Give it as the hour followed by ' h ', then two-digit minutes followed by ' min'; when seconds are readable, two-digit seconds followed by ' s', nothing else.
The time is 3 h 47 min
